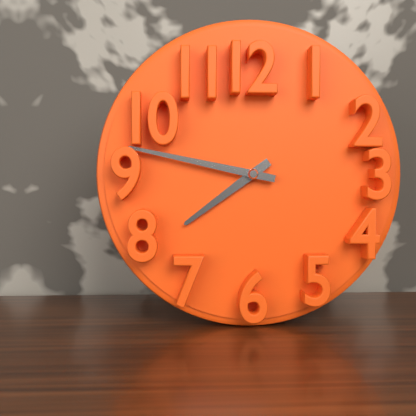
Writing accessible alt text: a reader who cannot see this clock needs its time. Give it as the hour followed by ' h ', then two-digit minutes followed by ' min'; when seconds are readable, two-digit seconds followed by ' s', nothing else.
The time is 7 h 47 min
